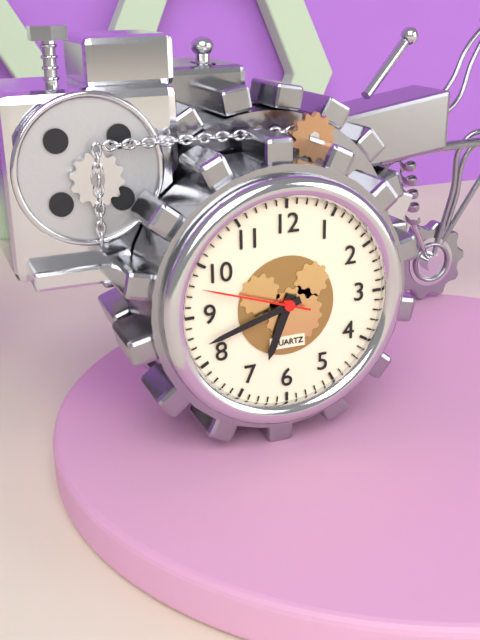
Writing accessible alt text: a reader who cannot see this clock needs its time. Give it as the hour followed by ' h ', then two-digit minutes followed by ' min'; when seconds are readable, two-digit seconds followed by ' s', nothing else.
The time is 6 h 42 min 48 s
